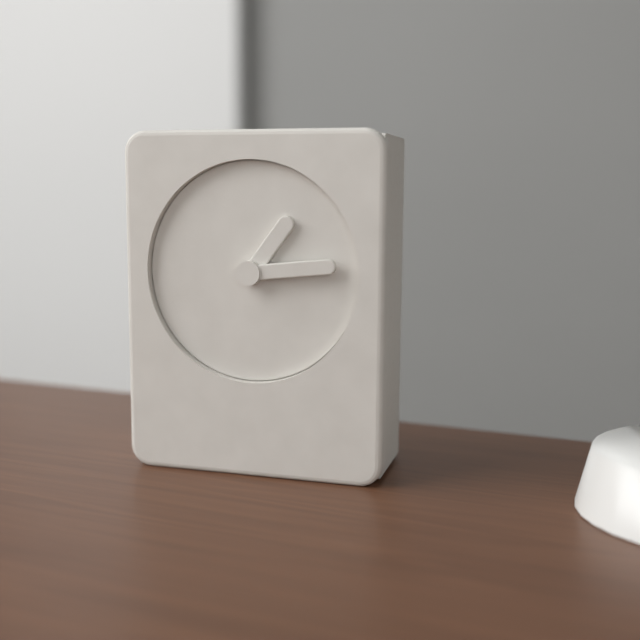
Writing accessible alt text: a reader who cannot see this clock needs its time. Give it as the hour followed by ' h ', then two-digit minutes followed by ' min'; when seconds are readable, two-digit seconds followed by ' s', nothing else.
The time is 1 h 14 min
